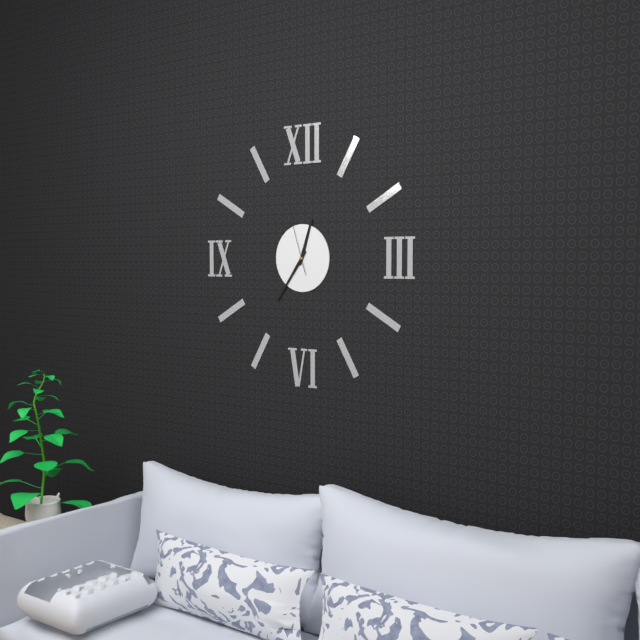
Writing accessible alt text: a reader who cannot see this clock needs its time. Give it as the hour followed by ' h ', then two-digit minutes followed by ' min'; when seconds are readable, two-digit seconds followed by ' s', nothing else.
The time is 12 h 36 min 57 s
